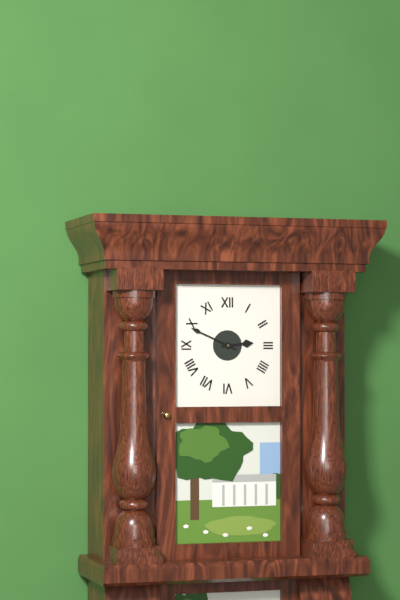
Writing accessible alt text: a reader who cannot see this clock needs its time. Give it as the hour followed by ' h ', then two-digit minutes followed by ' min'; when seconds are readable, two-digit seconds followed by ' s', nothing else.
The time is 2 h 49 min
